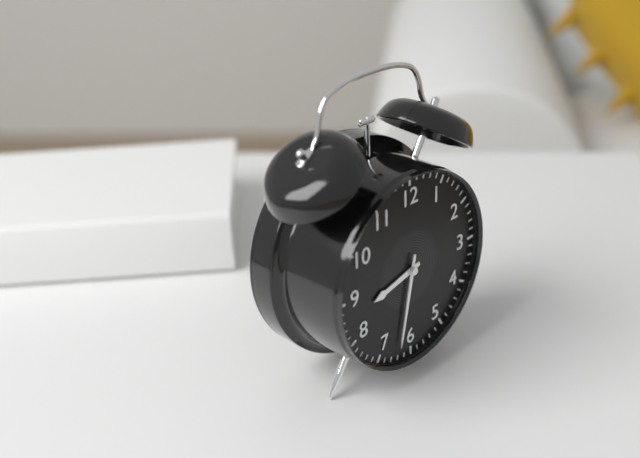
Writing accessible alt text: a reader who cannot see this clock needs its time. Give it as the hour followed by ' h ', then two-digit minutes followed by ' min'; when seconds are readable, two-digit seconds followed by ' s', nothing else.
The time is 8 h 32 min
